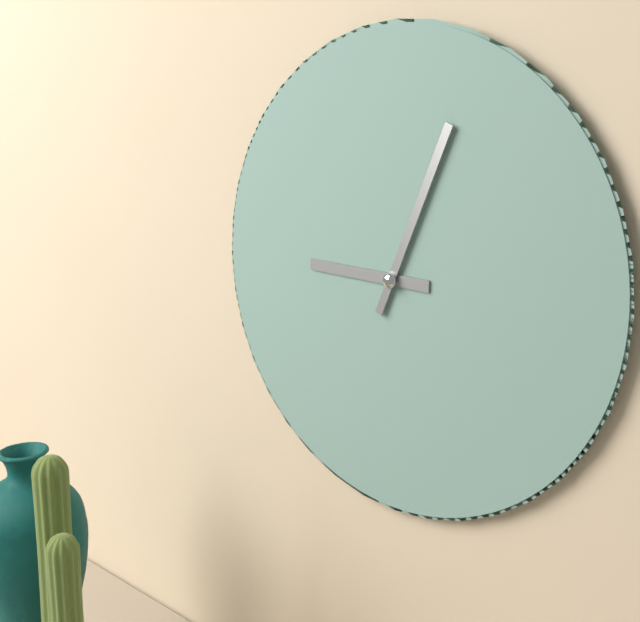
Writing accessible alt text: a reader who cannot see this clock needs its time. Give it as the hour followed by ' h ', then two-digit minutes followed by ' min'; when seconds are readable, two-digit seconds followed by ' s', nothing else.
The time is 9 h 04 min
